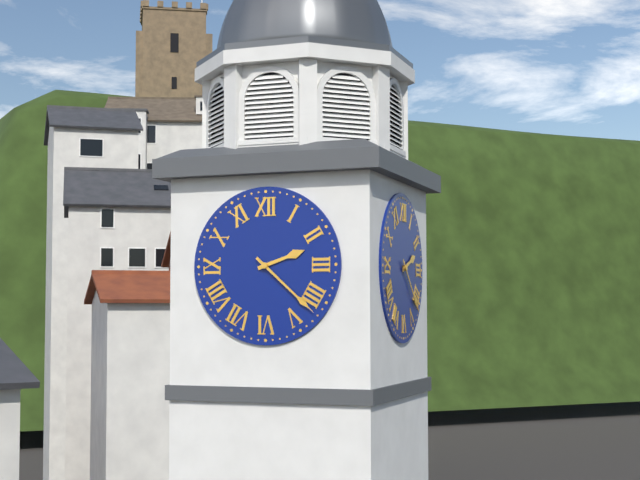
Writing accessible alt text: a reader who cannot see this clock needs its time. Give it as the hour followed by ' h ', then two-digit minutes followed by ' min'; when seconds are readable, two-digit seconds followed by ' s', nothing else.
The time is 2 h 22 min
